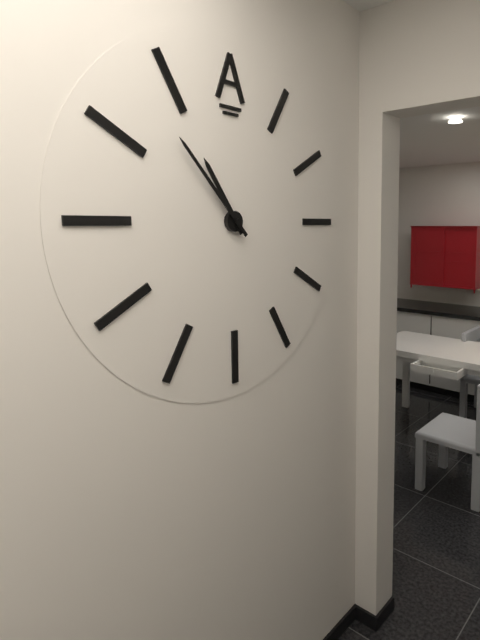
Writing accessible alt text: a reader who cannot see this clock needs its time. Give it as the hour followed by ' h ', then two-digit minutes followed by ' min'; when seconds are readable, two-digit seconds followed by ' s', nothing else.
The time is 10 h 53 min
